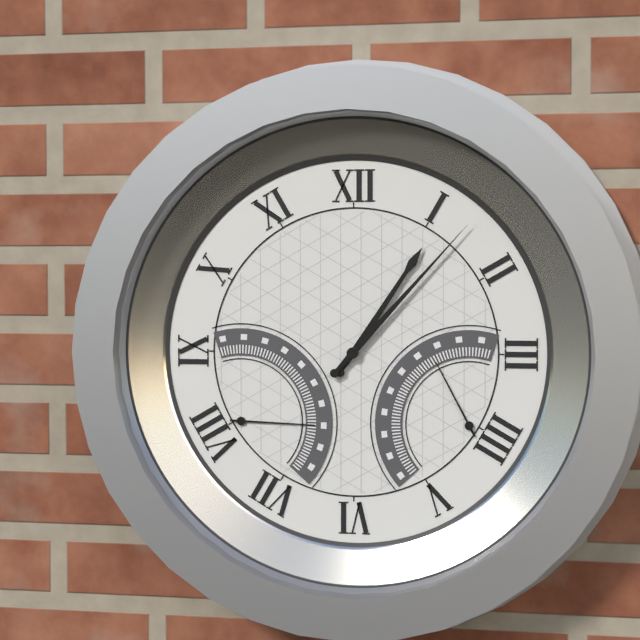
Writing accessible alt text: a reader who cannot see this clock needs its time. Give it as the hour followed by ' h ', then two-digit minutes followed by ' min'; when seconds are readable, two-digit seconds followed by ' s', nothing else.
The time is 1 h 07 min
